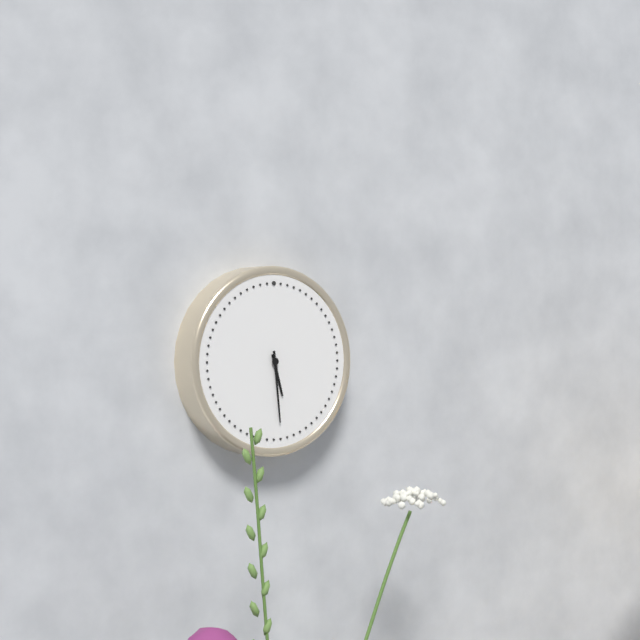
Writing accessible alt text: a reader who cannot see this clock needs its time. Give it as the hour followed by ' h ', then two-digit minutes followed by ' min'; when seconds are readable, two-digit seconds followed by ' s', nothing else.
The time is 5 h 29 min
